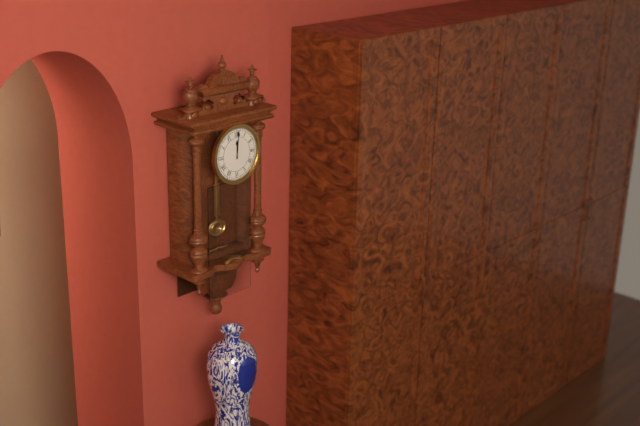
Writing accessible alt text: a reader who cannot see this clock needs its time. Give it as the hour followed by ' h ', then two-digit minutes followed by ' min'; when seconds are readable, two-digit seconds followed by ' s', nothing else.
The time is 12 h 01 min
